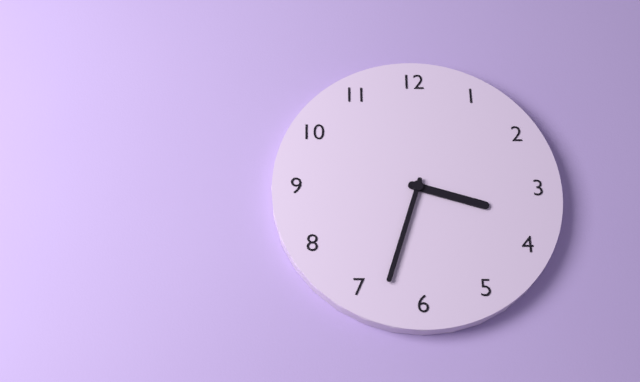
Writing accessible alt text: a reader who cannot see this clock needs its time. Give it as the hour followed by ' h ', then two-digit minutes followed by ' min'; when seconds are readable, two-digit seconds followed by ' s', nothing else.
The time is 3 h 33 min
